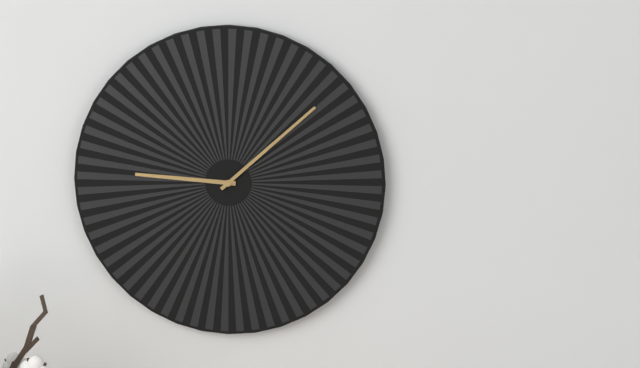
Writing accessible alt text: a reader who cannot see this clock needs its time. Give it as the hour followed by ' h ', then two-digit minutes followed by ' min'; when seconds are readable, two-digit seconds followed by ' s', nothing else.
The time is 9 h 08 min
